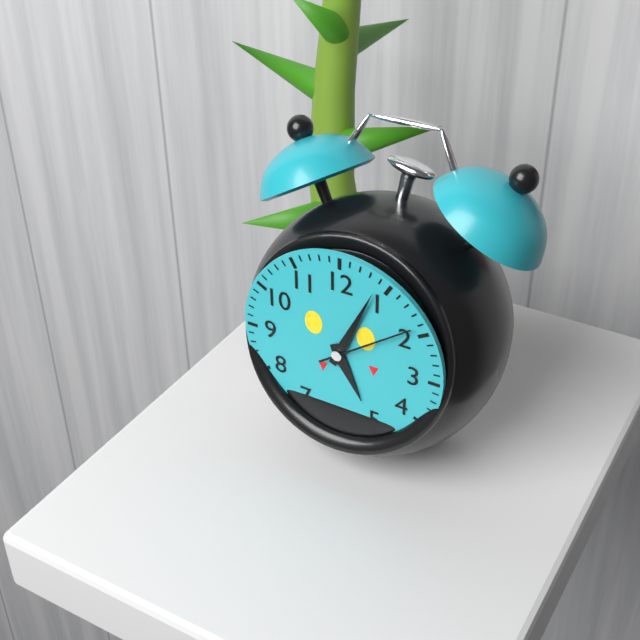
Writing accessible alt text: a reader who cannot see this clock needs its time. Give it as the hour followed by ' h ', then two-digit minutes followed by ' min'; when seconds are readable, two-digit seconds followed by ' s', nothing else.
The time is 5 h 04 min 09 s
